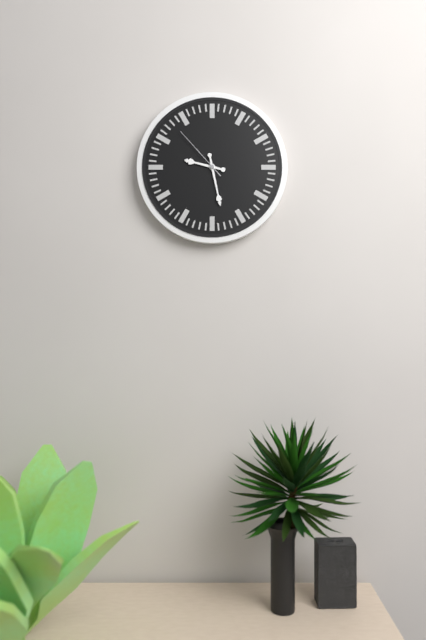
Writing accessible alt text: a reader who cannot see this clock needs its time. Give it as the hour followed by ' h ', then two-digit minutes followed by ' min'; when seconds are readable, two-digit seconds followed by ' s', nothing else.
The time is 9 h 28 min 53 s
